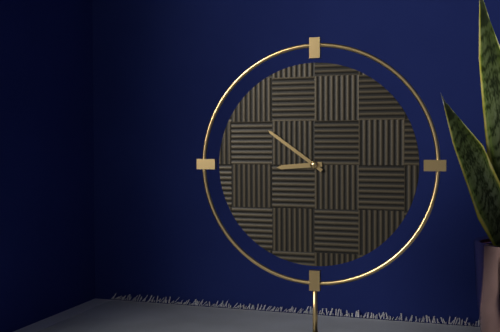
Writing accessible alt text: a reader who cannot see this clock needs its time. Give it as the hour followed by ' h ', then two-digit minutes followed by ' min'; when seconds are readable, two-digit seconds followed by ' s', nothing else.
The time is 8 h 51 min
